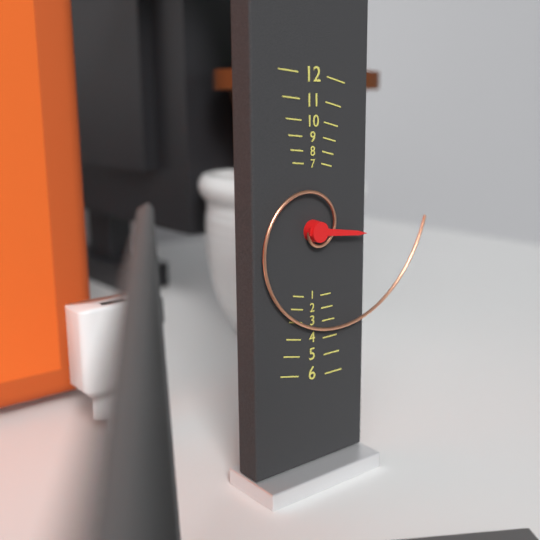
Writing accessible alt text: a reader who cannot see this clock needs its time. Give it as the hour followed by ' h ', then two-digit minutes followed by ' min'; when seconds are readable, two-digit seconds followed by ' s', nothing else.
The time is 3 h 15 min
